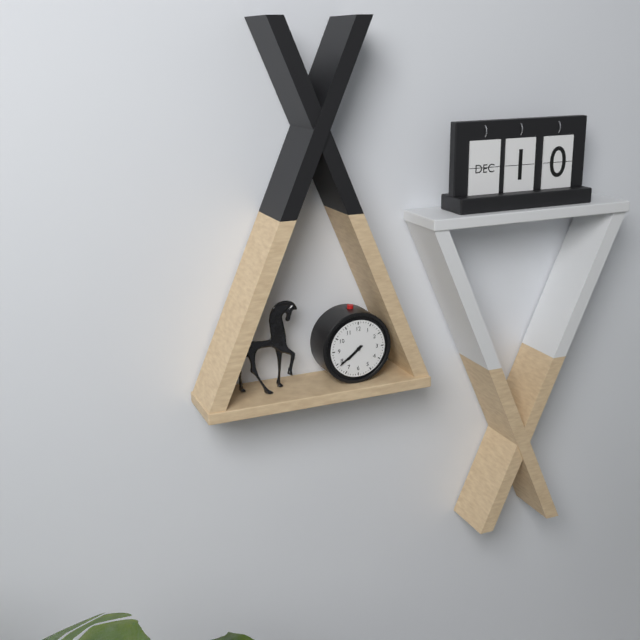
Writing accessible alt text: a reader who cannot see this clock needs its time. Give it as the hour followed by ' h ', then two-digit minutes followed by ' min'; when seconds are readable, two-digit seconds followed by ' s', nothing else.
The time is 7 h 39 min
